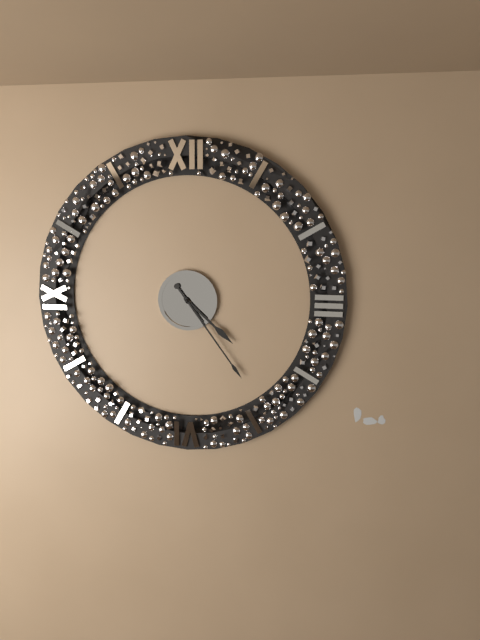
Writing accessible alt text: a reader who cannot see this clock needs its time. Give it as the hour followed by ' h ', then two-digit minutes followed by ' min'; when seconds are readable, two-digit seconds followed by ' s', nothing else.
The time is 4 h 24 min
